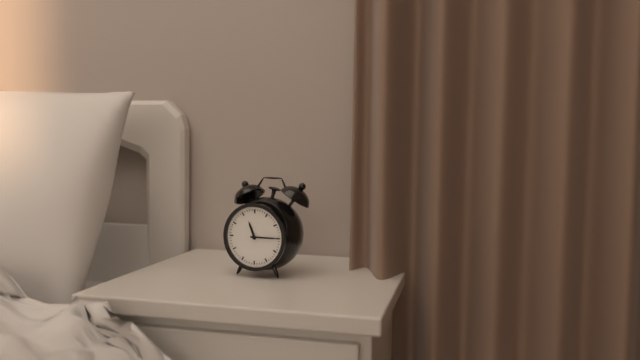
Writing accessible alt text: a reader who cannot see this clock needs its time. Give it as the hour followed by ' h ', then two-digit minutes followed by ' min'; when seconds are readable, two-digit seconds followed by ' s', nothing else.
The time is 11 h 15 min
